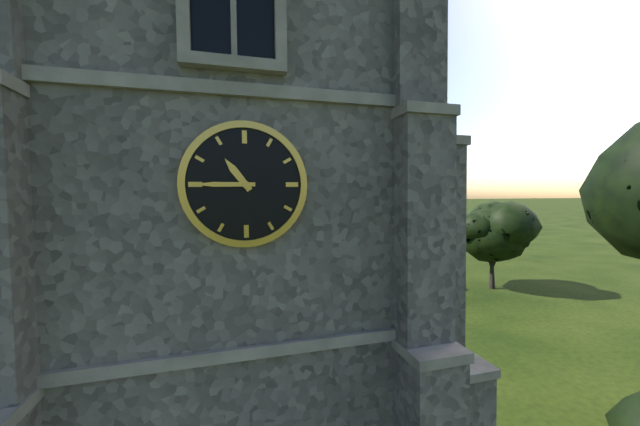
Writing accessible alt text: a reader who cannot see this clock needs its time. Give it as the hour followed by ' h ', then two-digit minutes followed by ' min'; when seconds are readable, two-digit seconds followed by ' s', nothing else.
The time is 10 h 45 min
